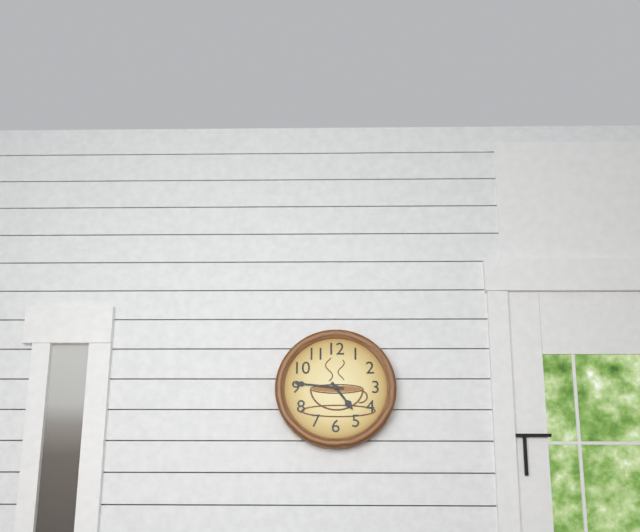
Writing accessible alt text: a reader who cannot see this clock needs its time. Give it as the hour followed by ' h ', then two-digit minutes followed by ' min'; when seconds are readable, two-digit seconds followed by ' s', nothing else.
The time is 4 h 46 min
